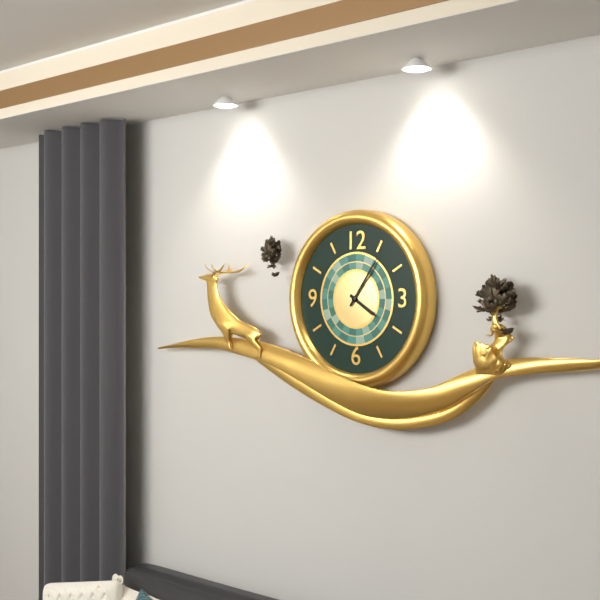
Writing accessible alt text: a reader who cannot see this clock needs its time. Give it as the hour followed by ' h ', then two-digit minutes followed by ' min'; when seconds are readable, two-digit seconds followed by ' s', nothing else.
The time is 4 h 06 min
